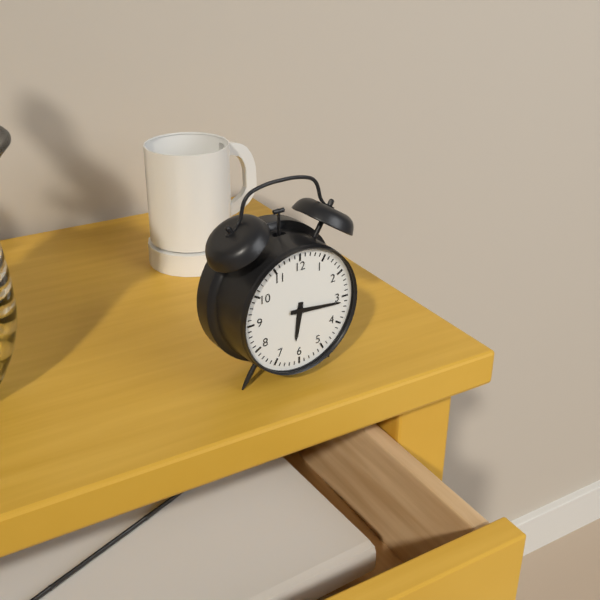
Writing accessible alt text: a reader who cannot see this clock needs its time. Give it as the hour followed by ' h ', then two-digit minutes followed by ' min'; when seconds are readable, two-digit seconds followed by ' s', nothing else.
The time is 6 h 16 min
